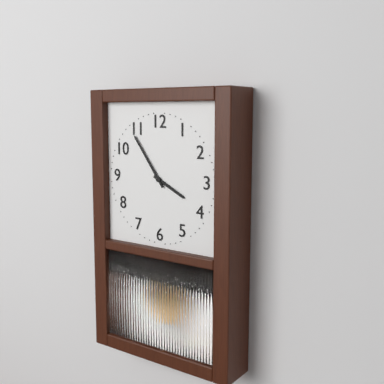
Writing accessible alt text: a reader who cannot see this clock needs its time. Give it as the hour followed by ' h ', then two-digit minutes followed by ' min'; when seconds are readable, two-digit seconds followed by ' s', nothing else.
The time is 3 h 54 min
